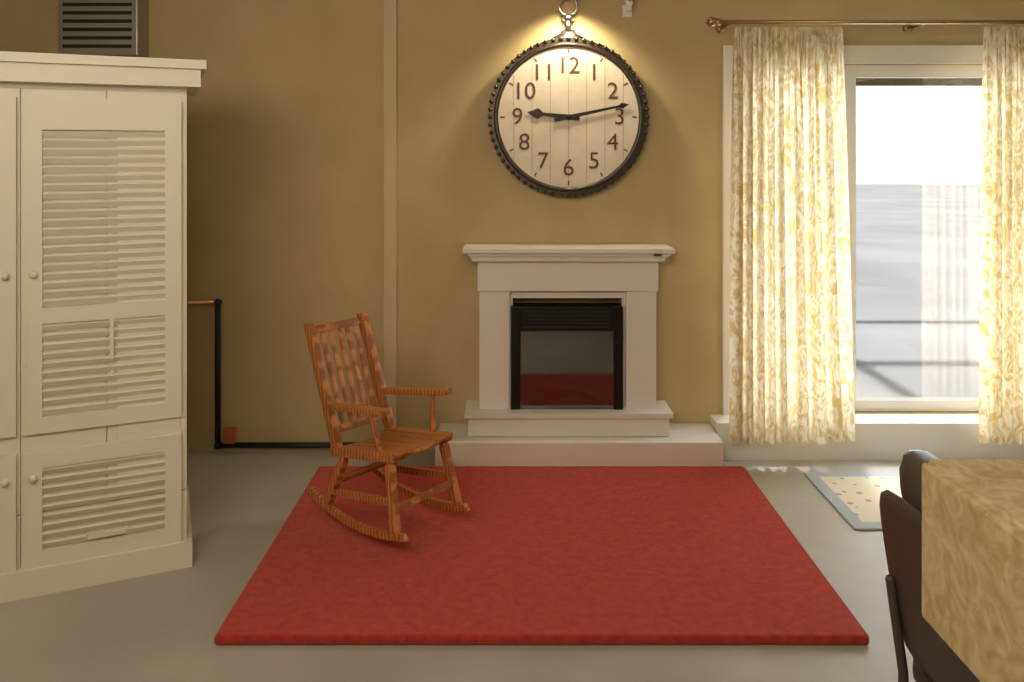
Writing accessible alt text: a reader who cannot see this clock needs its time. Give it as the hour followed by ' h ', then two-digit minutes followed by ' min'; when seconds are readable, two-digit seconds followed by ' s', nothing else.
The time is 9 h 13 min
